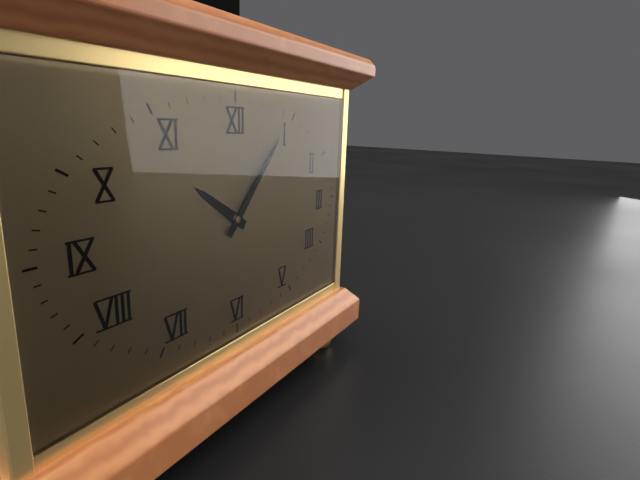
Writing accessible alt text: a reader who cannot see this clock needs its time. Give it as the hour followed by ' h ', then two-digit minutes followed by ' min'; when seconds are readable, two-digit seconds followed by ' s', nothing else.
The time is 10 h 07 min
